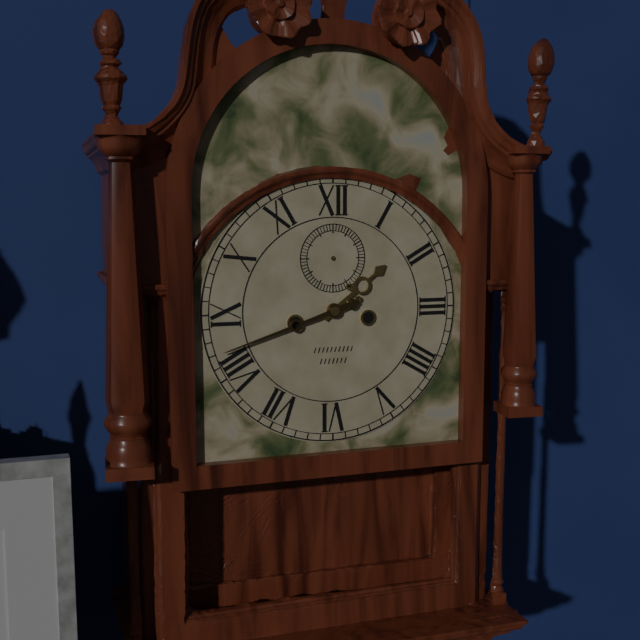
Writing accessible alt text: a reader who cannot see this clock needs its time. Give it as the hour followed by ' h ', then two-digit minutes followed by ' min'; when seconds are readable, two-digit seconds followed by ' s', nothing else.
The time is 1 h 42 min
